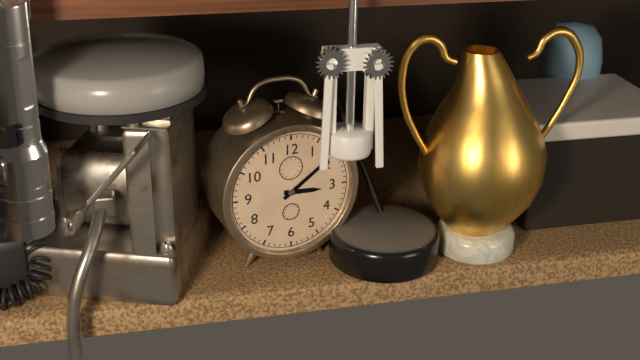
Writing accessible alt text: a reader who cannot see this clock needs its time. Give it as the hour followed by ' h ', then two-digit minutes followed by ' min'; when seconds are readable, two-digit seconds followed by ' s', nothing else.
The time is 3 h 09 min
